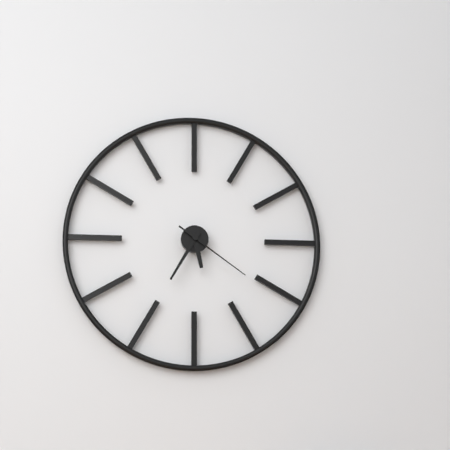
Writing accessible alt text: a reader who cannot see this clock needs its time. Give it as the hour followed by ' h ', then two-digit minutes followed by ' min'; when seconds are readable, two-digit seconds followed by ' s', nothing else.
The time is 5 h 35 min 21 s
